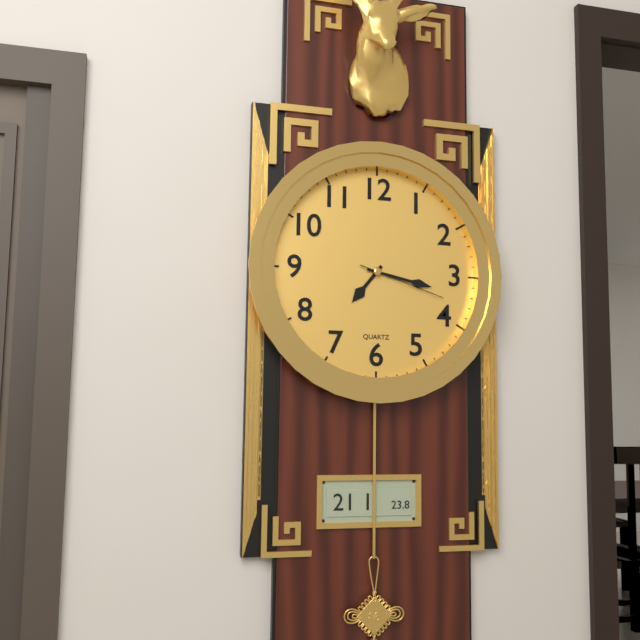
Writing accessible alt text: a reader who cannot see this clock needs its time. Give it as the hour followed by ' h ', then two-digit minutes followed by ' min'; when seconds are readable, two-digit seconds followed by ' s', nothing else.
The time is 7 h 17 min 18 s
